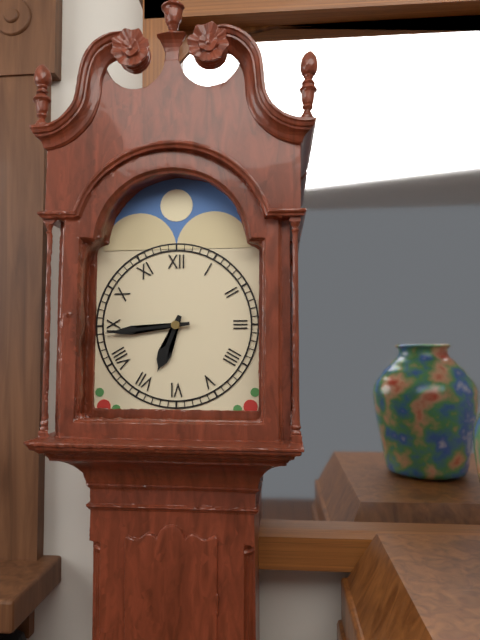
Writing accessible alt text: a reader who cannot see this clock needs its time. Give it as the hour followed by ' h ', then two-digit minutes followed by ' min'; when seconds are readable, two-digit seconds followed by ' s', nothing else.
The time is 6 h 44 min
